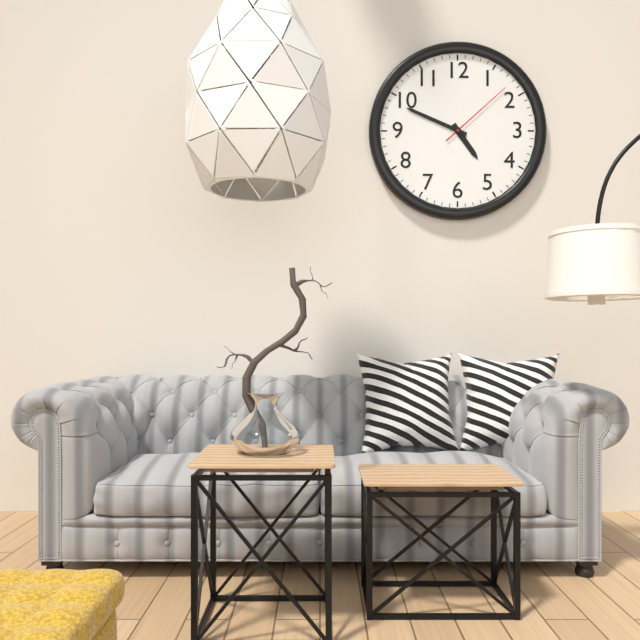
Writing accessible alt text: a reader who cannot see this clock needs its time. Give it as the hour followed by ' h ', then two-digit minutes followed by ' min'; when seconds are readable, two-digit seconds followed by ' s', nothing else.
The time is 4 h 49 min 08 s
